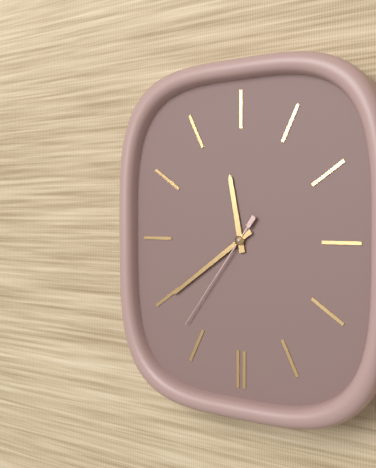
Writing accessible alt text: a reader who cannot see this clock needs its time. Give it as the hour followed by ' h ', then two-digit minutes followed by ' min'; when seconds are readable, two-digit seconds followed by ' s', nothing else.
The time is 11 h 39 min 36 s
